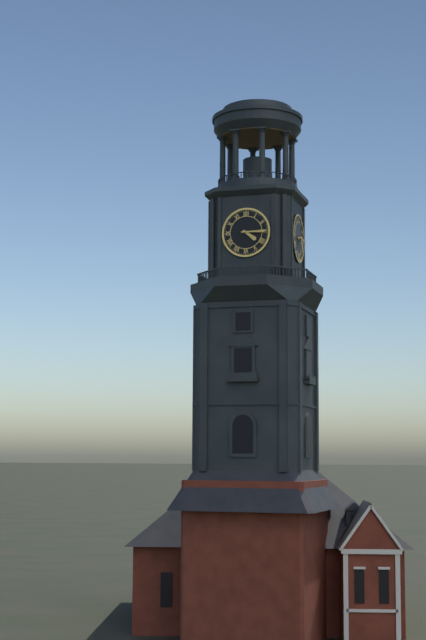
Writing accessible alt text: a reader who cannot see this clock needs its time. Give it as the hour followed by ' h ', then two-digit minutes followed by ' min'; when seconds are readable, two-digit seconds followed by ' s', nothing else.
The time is 4 h 15 min
